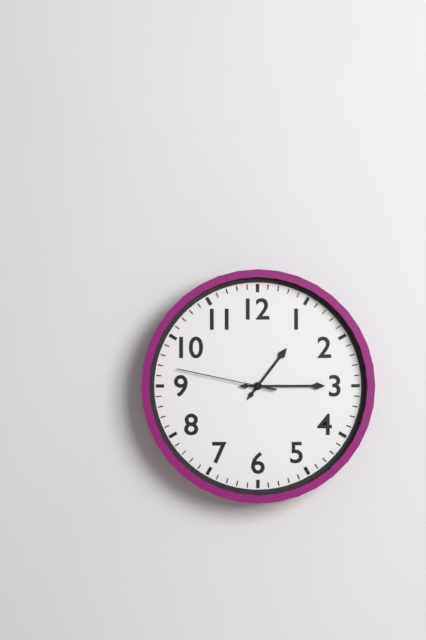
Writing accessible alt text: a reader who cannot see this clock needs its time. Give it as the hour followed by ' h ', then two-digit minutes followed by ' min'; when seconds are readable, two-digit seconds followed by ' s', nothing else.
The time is 1 h 15 min 47 s
